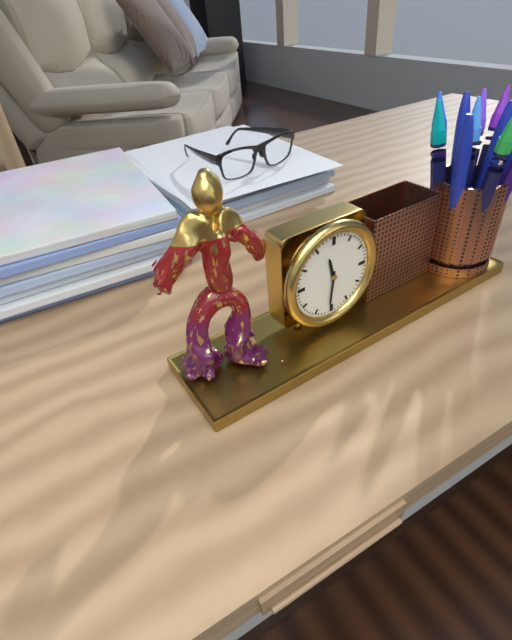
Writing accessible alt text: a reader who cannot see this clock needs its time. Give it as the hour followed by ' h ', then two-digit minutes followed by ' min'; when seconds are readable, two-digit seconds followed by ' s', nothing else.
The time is 11 h 31 min
